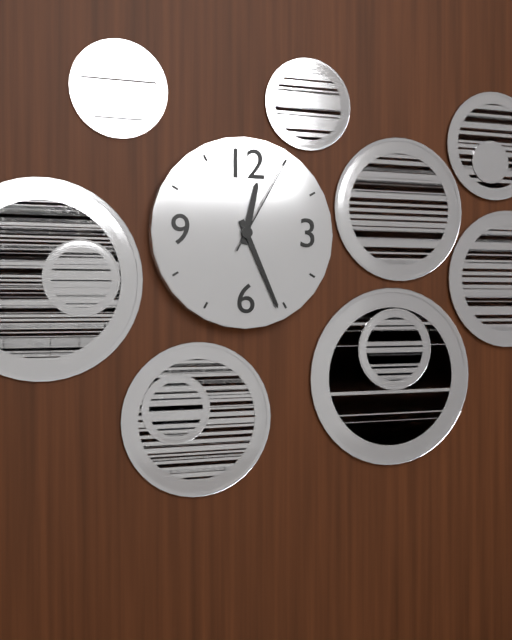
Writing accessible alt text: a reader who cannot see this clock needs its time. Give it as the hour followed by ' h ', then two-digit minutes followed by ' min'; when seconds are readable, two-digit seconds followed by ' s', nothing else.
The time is 12 h 26 min 05 s
